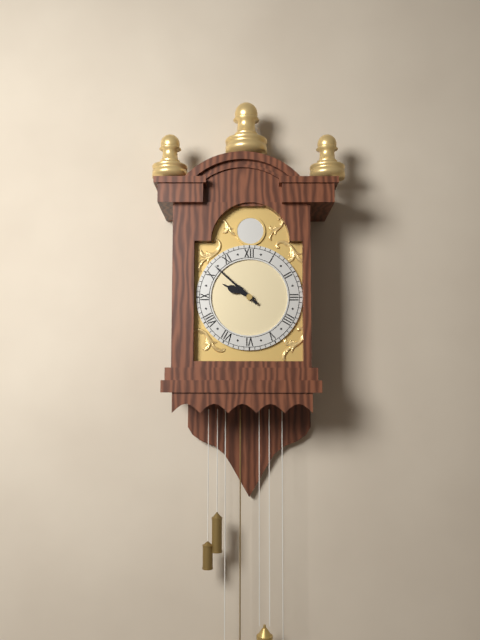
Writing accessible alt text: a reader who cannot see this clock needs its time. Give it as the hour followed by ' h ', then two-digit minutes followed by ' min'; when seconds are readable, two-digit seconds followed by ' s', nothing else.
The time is 9 h 52 min
